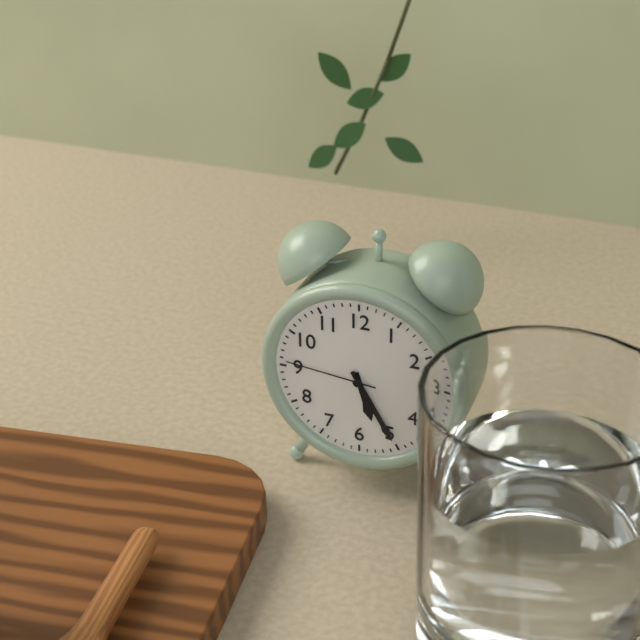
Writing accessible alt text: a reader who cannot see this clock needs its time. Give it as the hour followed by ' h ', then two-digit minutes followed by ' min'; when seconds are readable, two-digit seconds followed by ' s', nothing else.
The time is 5 h 25 min 46 s
